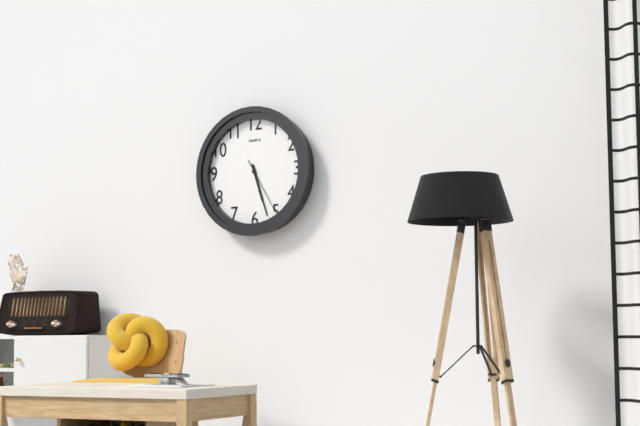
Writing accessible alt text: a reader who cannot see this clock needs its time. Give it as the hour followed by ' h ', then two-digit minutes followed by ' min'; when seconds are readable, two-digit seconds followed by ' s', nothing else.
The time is 5 h 27 min 25 s
